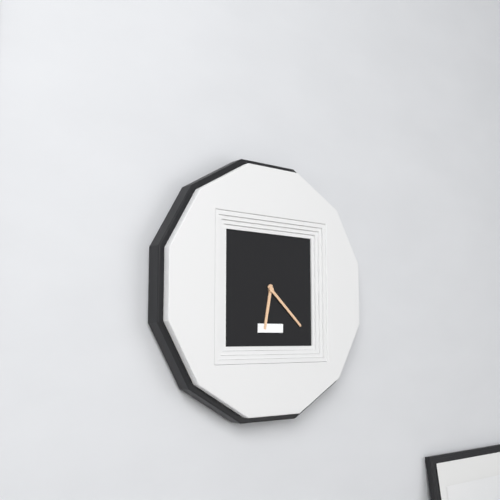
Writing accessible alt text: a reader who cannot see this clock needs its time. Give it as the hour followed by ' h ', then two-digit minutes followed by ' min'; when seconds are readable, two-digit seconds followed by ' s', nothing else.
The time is 6 h 22 min
